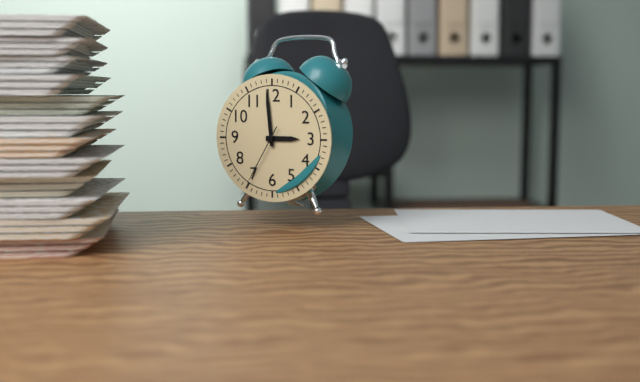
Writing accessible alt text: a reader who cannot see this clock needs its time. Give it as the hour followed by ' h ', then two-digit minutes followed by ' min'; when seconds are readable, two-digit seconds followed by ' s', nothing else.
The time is 2 h 59 min 35 s
